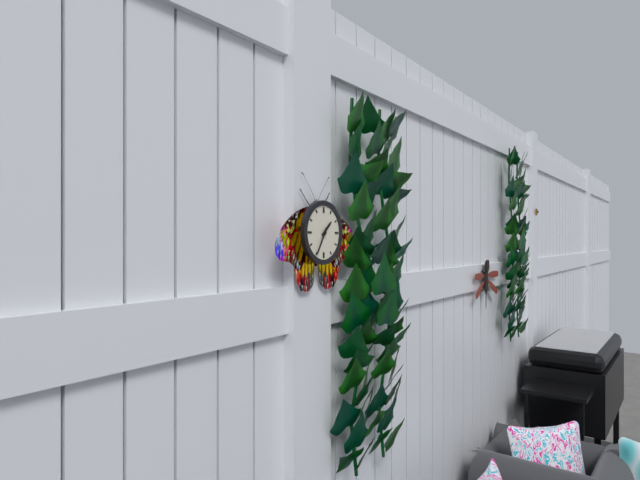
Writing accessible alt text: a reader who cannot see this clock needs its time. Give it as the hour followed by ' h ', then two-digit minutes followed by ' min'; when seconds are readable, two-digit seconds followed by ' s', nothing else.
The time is 1 h 35 min
